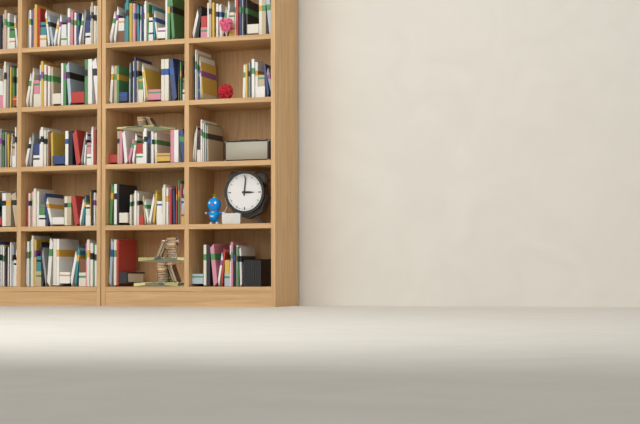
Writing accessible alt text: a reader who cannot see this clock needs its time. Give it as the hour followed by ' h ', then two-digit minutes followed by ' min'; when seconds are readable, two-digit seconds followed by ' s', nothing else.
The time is 3 h 01 min
